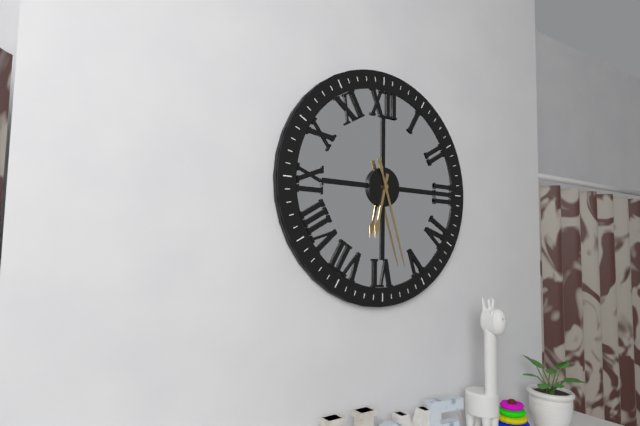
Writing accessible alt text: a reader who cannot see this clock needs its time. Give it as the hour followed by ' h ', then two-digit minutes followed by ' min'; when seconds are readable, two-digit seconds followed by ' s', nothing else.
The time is 6 h 27 min
